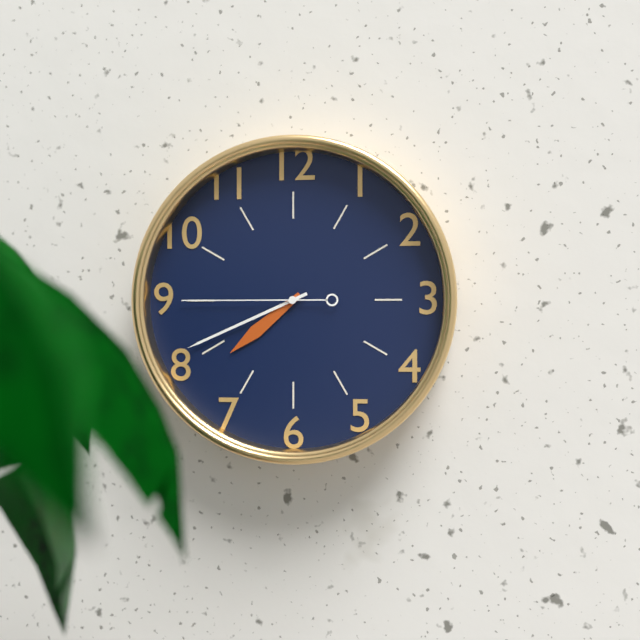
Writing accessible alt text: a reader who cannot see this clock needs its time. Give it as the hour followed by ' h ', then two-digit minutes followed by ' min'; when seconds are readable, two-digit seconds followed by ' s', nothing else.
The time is 7 h 41 min 45 s
